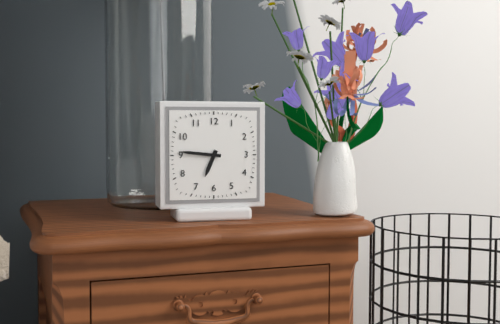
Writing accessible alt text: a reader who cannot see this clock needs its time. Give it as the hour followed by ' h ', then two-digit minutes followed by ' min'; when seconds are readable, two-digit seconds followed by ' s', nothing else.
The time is 6 h 46 min
